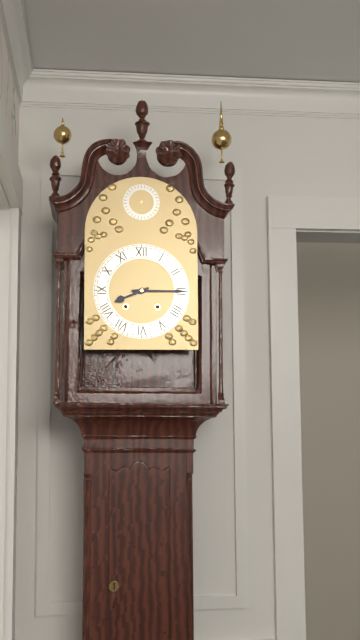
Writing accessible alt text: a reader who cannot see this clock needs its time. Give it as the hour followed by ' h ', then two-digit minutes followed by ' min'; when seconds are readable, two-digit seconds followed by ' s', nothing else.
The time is 8 h 15 min
